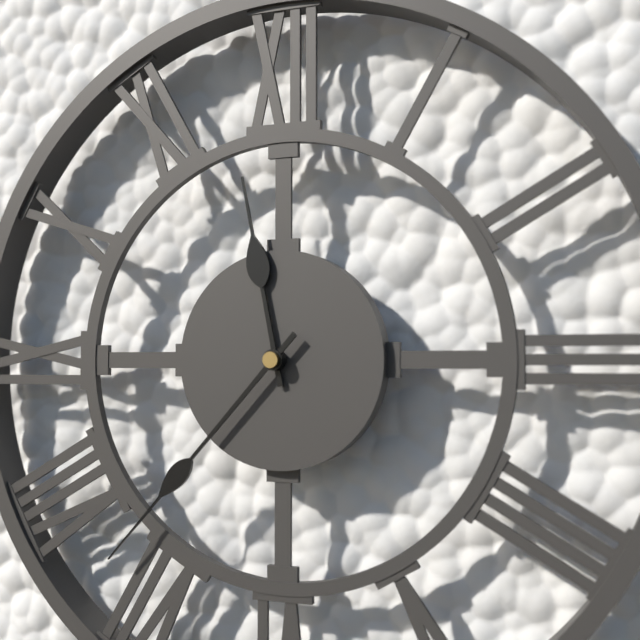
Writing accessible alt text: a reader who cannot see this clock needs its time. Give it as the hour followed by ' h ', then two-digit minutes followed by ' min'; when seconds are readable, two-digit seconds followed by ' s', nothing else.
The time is 11 h 37 min
